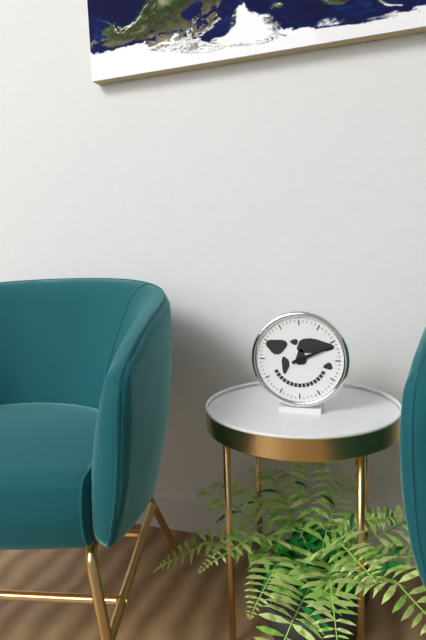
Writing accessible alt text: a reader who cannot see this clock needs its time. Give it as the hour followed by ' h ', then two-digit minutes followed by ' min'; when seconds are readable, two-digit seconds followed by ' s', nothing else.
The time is 2 h 11 min
